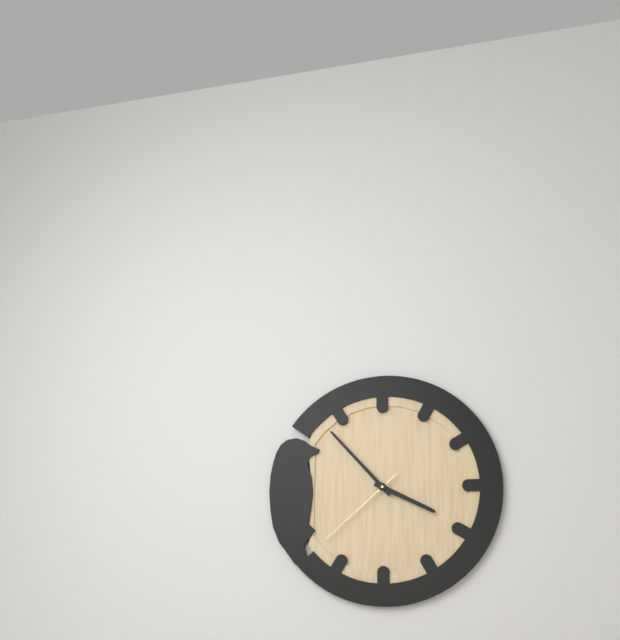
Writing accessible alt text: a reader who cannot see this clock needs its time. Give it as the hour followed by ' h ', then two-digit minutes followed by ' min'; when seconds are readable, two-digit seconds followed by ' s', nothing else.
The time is 3 h 53 min 38 s
